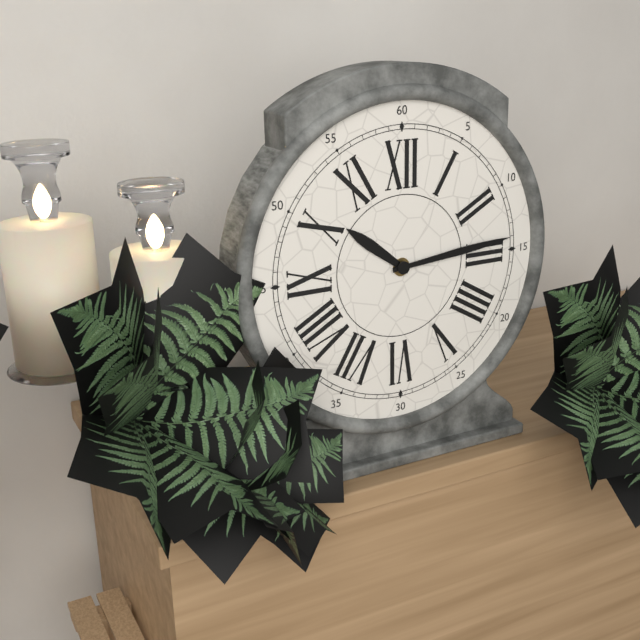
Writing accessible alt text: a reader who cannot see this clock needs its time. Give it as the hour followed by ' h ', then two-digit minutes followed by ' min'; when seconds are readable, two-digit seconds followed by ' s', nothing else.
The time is 10 h 14 min
